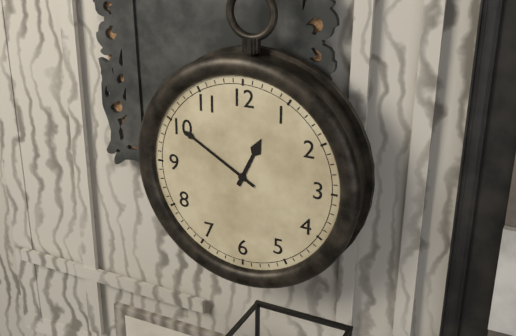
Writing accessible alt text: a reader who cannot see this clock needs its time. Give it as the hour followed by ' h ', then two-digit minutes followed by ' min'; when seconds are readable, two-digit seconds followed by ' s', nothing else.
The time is 12 h 50 min
